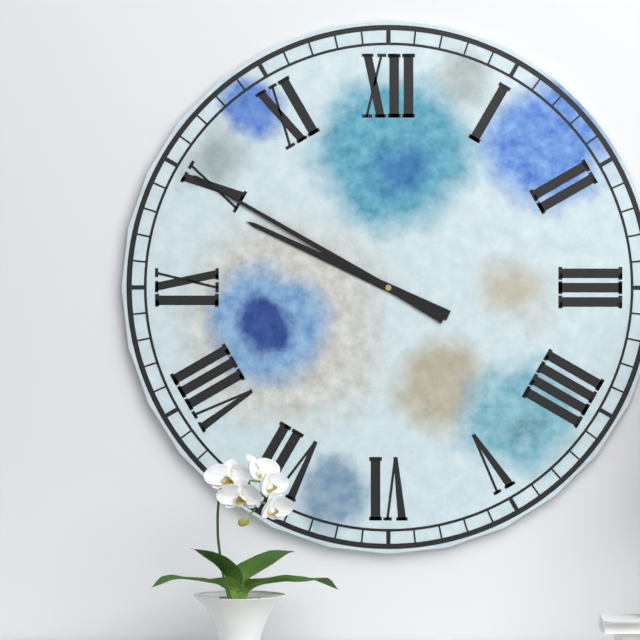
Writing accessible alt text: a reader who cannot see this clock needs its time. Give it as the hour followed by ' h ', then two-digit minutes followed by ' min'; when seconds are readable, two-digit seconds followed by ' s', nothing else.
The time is 9 h 50 min
